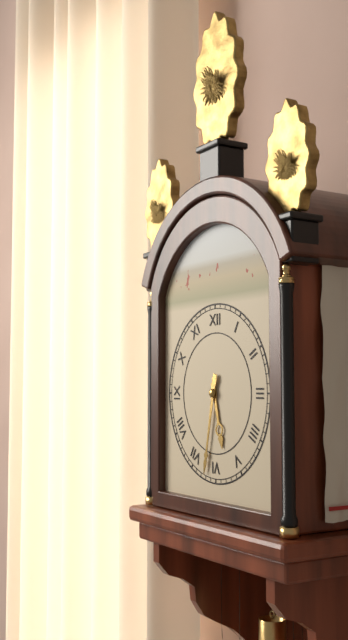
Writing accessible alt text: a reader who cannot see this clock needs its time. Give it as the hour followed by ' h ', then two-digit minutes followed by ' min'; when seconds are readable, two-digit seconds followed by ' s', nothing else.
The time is 5 h 32 min
